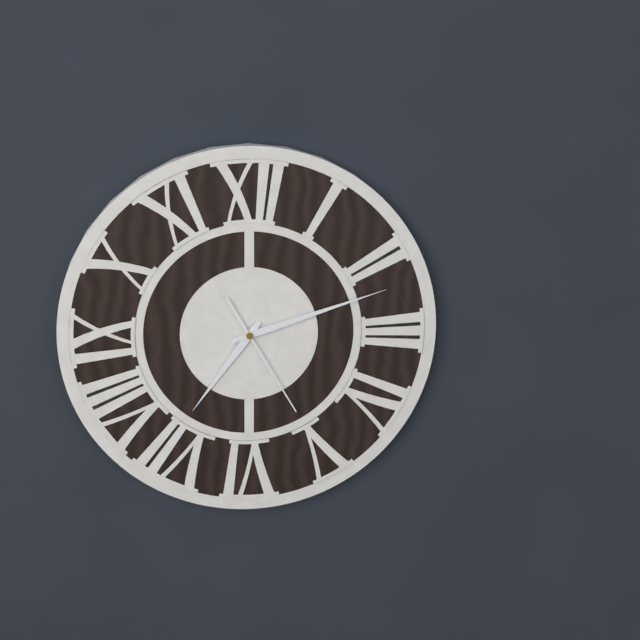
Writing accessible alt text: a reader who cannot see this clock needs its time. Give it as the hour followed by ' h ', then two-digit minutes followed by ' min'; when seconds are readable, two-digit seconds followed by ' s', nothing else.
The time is 7 h 12 min 25 s
